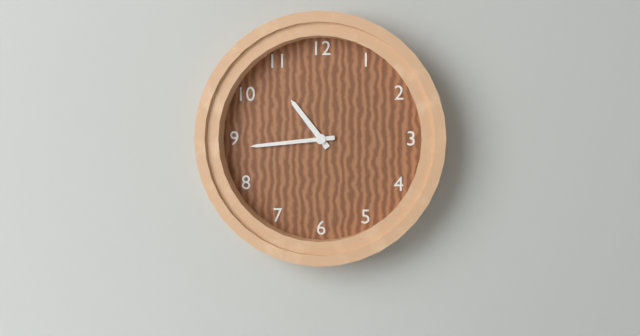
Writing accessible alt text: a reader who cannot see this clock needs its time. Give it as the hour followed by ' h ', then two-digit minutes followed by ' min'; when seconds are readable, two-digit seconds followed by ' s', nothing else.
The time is 10 h 44 min
